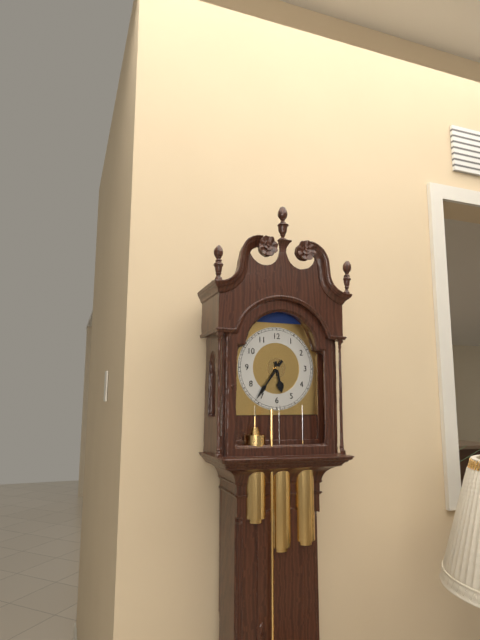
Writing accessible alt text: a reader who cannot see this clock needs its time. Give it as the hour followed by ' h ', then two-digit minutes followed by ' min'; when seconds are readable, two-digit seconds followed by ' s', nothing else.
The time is 5 h 36 min
